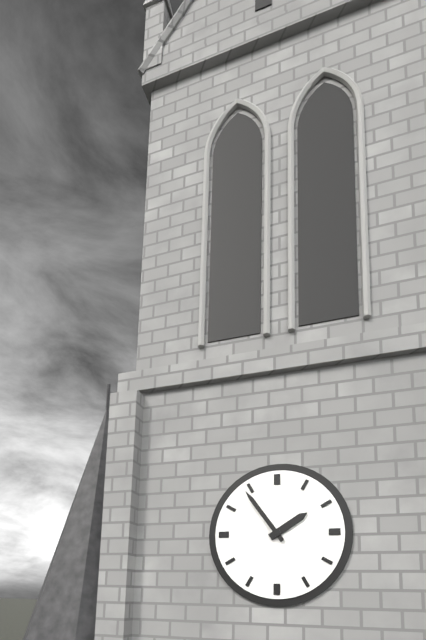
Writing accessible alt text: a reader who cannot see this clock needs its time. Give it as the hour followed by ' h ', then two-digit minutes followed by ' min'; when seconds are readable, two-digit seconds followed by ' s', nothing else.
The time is 1 h 54 min
